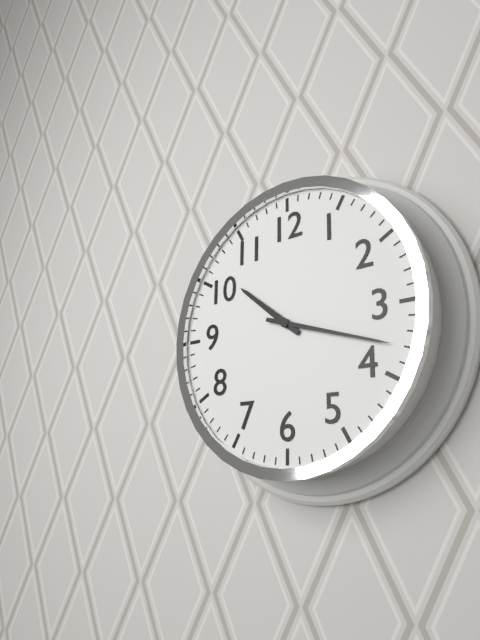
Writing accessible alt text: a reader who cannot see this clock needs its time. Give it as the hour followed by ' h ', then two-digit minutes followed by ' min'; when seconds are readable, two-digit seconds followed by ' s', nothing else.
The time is 10 h 18 min
